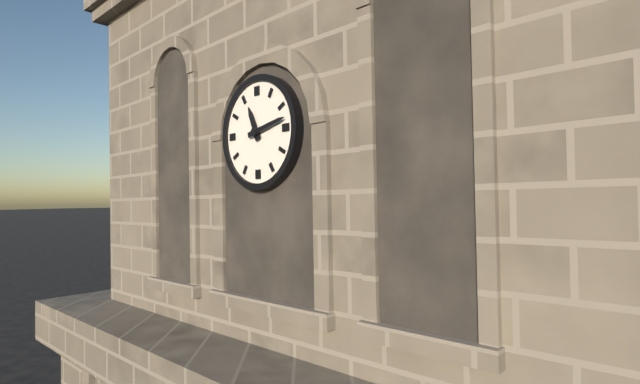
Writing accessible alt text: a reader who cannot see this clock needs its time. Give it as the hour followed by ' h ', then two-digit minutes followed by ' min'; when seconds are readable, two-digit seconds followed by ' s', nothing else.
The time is 11 h 13 min
